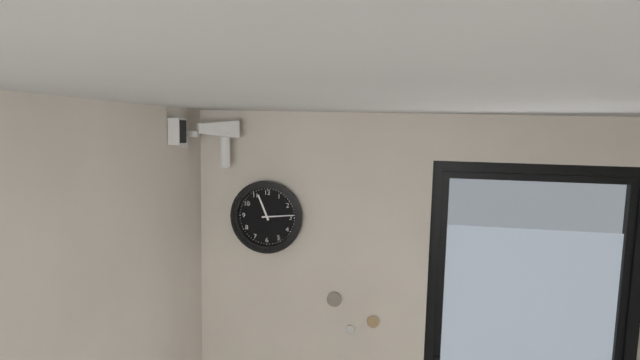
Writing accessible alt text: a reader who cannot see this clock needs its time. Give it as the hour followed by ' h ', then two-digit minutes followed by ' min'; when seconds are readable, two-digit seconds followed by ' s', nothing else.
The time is 11 h 14 min
